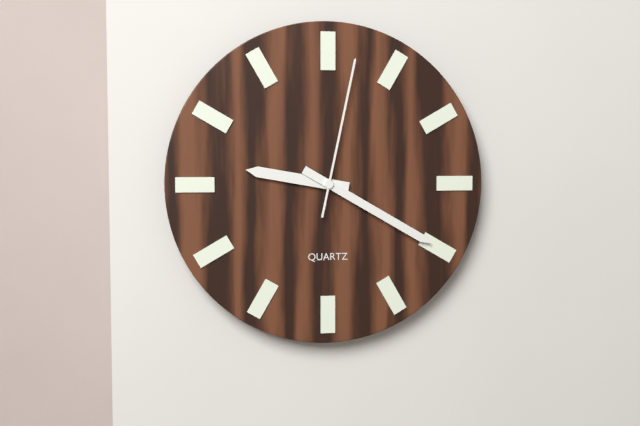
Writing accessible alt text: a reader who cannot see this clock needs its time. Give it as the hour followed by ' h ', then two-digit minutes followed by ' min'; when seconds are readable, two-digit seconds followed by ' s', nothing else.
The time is 9 h 20 min 02 s
